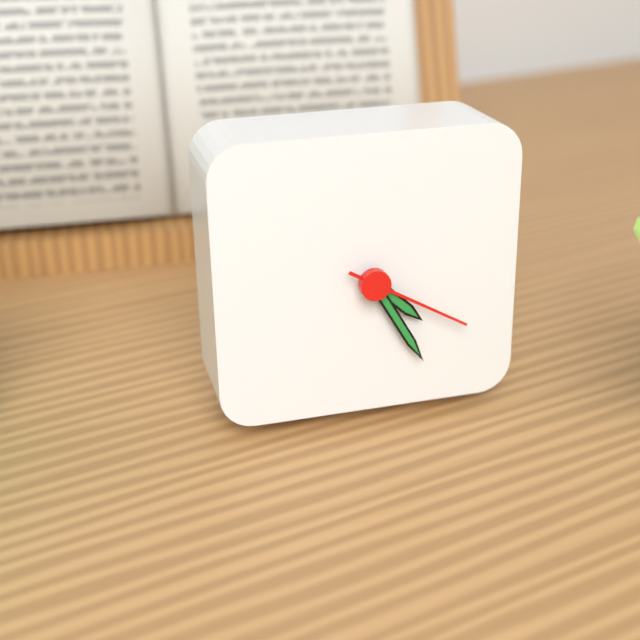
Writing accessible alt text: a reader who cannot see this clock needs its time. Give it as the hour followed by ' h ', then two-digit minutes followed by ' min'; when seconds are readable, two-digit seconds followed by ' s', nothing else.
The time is 4 h 25 min 20 s
